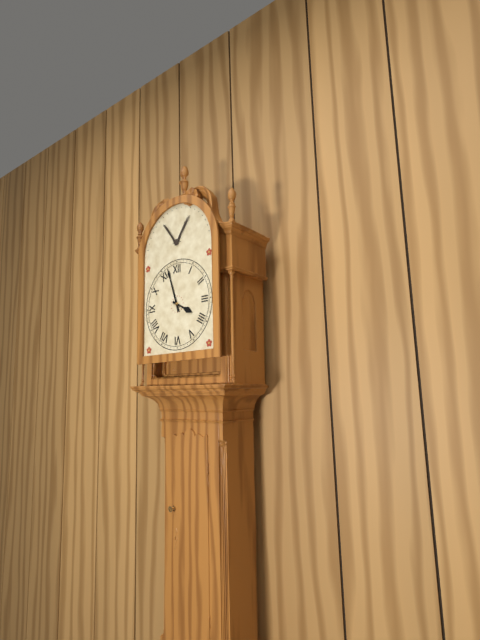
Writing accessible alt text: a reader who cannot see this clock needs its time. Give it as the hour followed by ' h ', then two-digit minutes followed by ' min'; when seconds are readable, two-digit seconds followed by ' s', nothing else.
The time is 3 h 57 min
